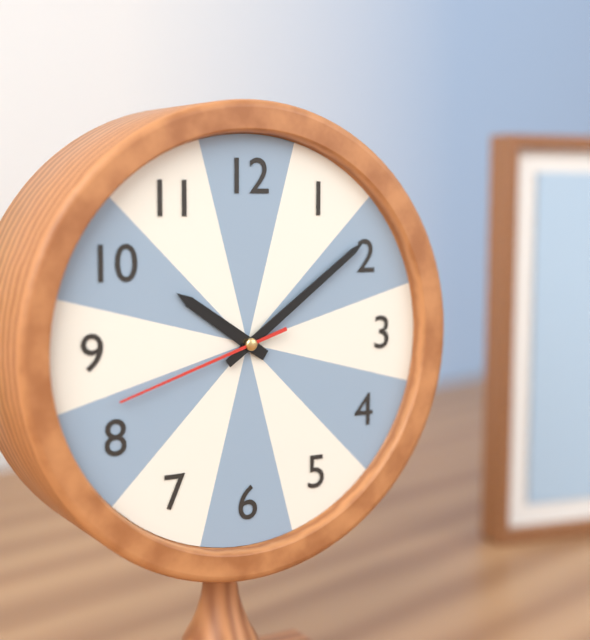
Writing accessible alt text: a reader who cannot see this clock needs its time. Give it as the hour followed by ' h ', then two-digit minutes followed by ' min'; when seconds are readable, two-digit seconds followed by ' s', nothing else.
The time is 10 h 09 min 42 s
